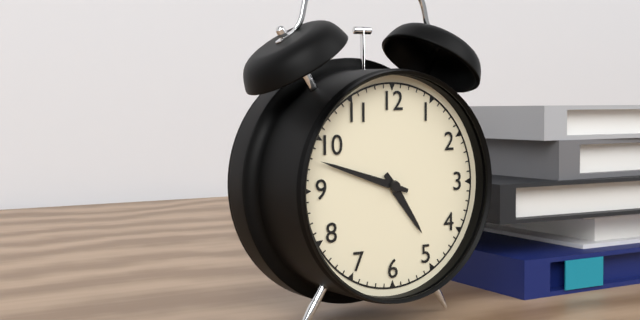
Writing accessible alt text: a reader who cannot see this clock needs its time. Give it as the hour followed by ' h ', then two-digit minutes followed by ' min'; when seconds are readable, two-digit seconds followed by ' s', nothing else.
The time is 4 h 48 min
